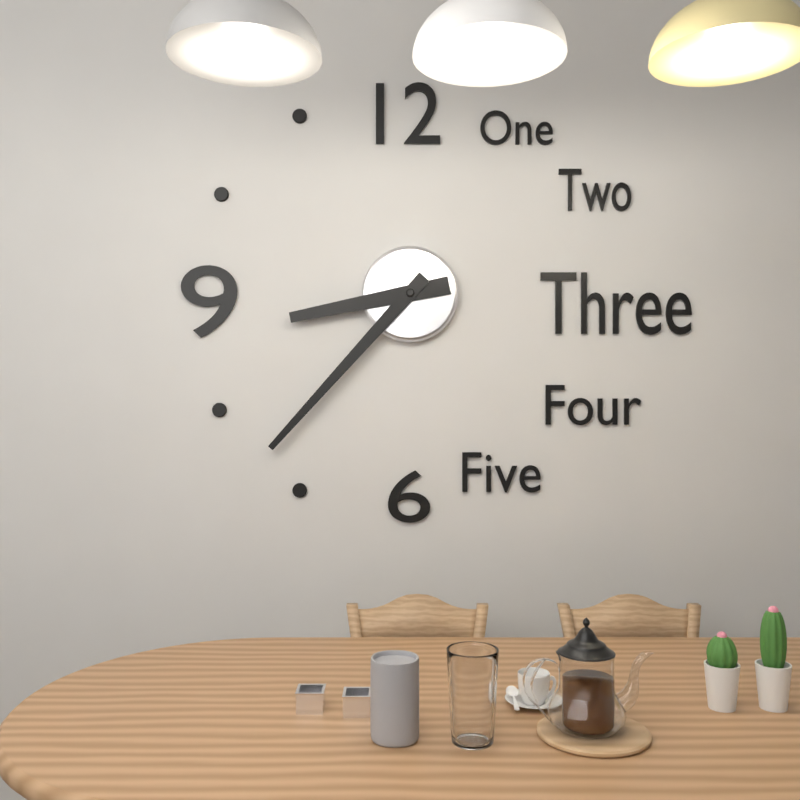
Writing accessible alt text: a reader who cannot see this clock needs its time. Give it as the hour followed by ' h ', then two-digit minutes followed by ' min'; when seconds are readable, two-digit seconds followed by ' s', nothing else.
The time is 8 h 37 min
